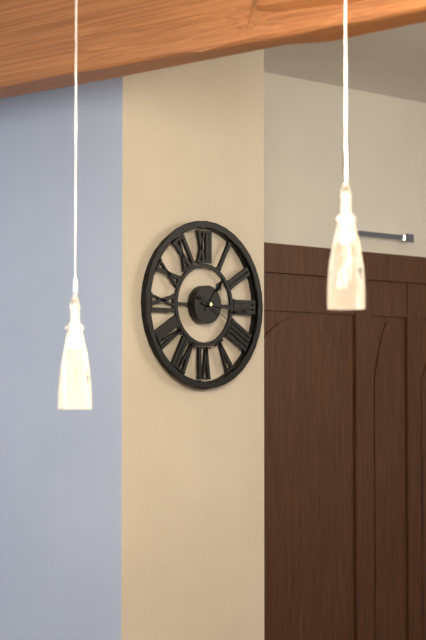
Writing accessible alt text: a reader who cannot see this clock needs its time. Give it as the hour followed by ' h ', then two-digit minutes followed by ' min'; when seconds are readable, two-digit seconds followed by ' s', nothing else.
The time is 1 h 16 min 20 s
